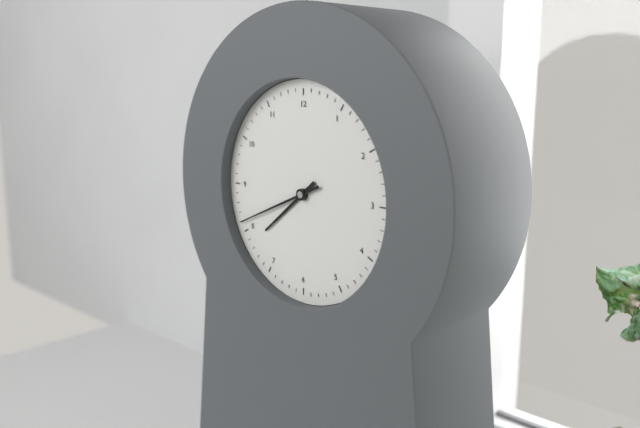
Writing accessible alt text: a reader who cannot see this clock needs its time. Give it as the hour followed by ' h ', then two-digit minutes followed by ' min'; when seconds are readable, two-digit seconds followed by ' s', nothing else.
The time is 7 h 41 min
